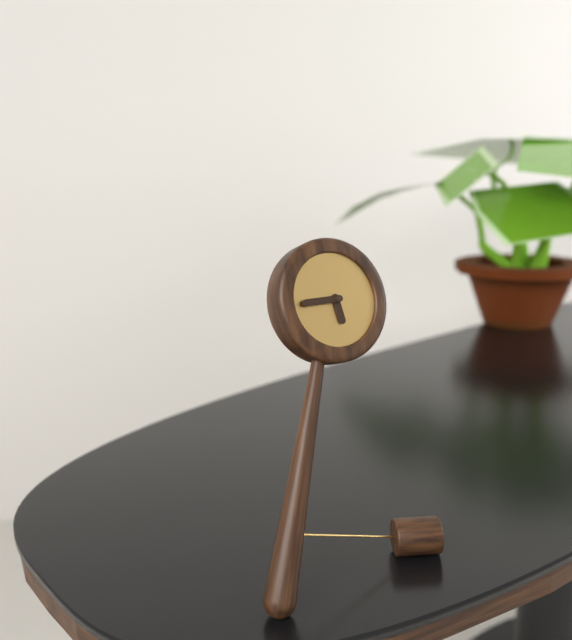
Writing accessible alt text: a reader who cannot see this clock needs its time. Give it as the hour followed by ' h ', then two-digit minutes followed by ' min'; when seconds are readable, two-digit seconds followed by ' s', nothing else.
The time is 5 h 45 min
